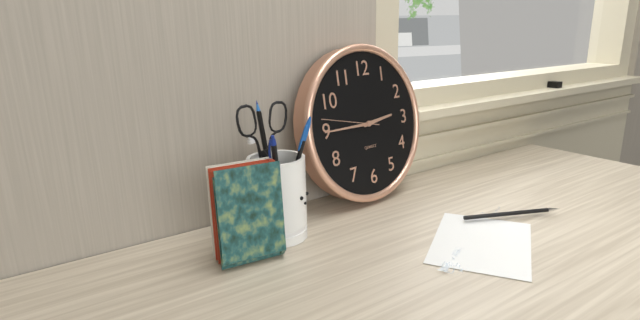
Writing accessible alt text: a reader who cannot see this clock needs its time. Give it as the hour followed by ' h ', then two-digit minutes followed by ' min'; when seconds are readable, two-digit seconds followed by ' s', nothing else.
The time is 2 h 45 min 47 s
